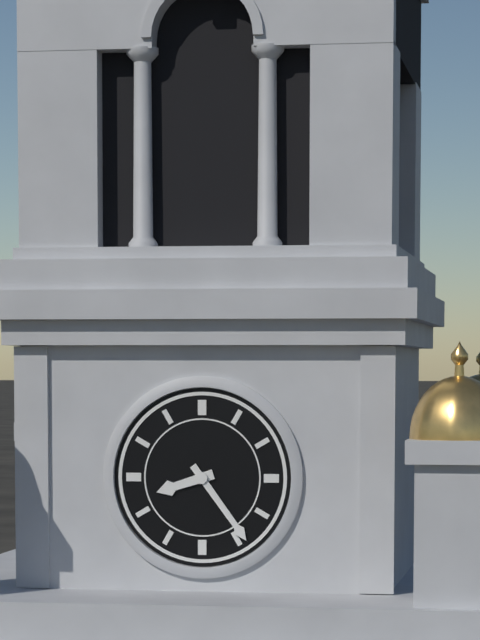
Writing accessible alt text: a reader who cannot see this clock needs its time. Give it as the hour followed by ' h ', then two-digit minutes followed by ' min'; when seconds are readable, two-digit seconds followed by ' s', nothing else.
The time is 8 h 24 min
